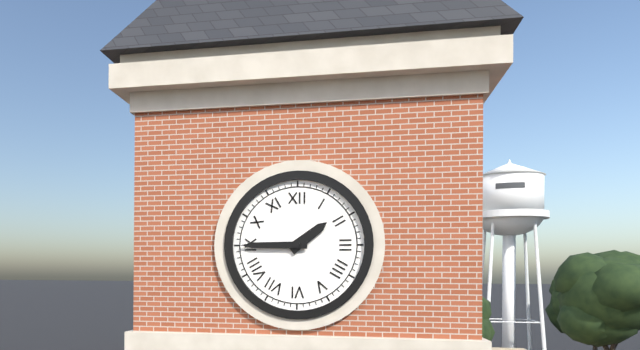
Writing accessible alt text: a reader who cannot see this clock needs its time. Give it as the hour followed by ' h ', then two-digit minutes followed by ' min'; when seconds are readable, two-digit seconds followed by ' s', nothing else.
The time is 1 h 45 min
